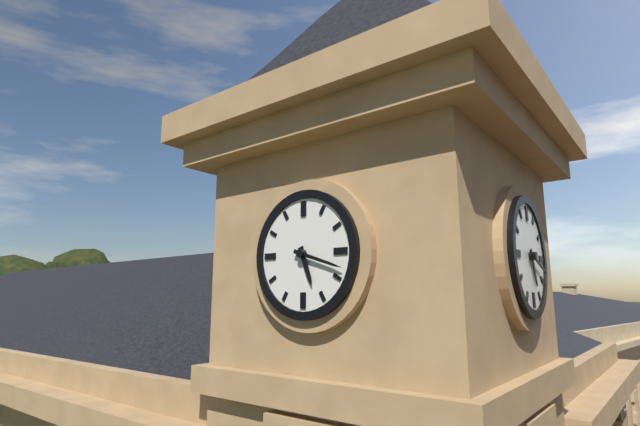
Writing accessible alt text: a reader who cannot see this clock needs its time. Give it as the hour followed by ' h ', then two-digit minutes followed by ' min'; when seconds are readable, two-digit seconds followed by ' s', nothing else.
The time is 5 h 18 min
